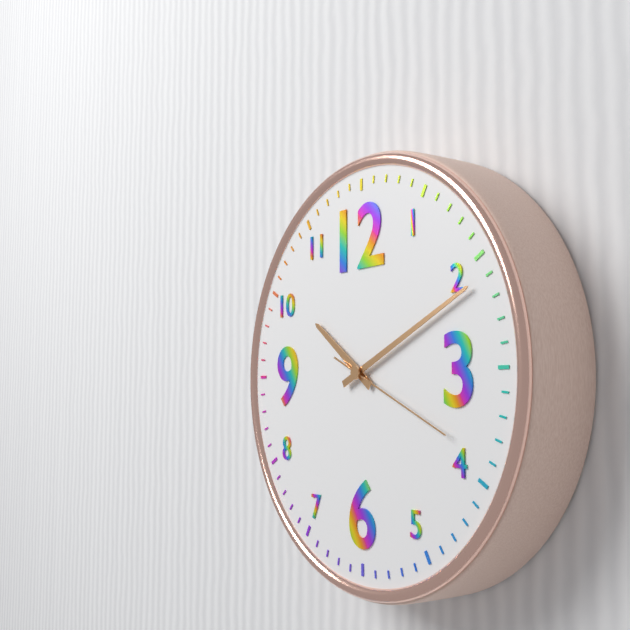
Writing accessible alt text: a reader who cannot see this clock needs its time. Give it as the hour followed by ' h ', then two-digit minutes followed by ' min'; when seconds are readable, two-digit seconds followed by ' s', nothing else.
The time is 10 h 11 min 19 s
